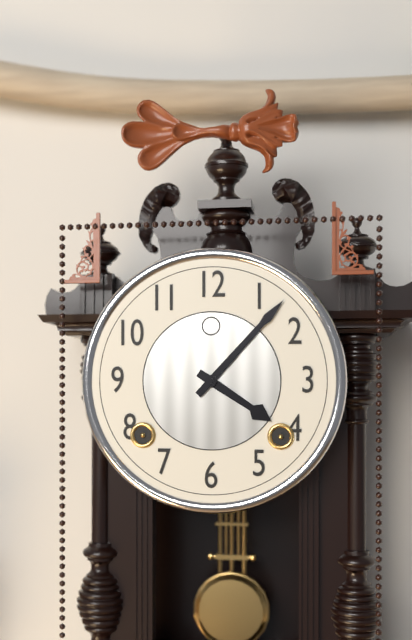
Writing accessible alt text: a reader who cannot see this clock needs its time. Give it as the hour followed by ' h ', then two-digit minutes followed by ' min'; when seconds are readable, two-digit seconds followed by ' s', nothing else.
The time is 4 h 07 min
